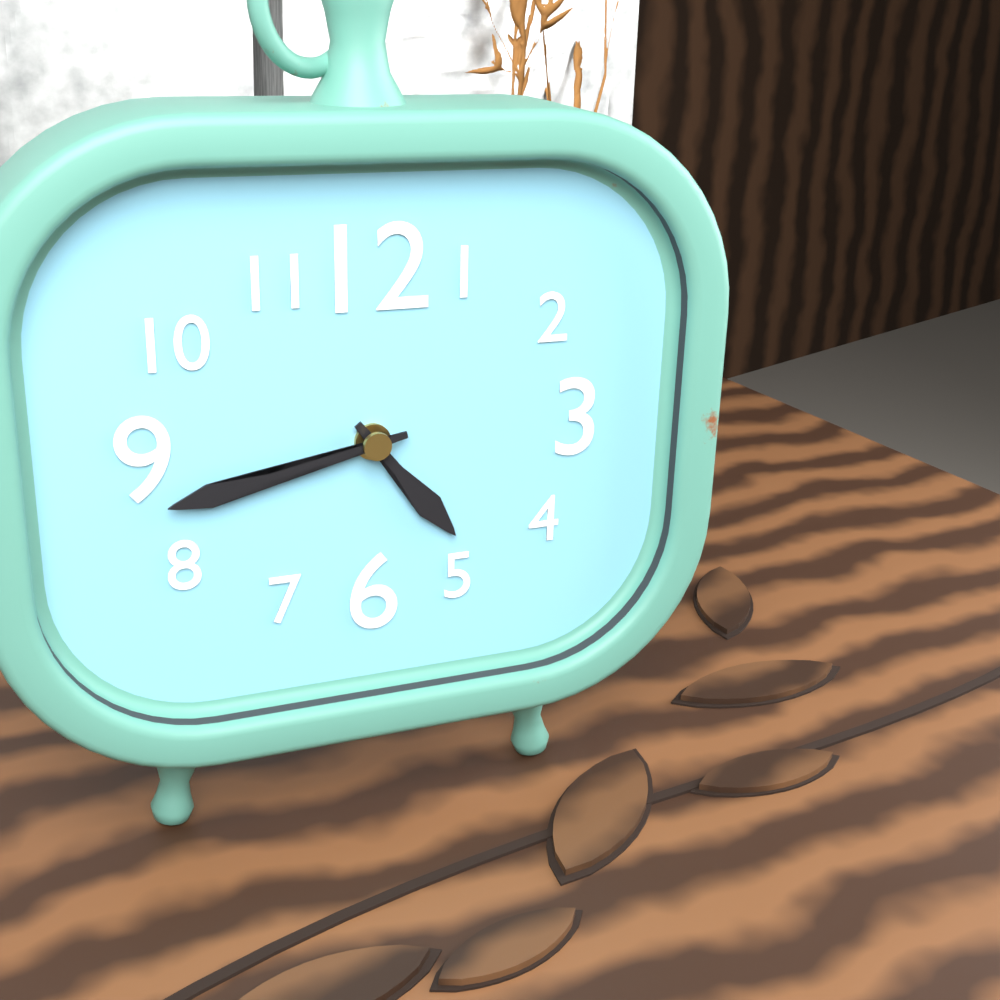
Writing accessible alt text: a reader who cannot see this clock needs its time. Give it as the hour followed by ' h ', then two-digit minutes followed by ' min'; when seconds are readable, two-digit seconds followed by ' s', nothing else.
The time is 4 h 43 min
